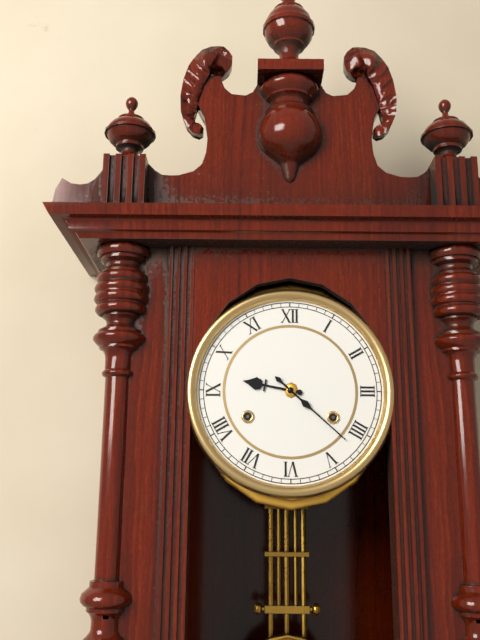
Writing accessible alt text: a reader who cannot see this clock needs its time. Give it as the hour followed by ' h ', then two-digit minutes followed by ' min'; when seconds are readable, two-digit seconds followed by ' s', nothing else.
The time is 9 h 22 min
